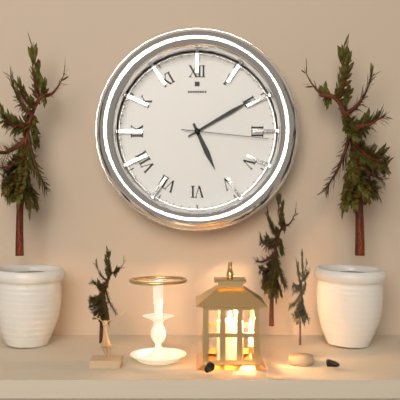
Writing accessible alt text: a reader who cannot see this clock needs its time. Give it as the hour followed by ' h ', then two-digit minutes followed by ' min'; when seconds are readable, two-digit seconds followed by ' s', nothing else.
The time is 5 h 10 min 16 s
